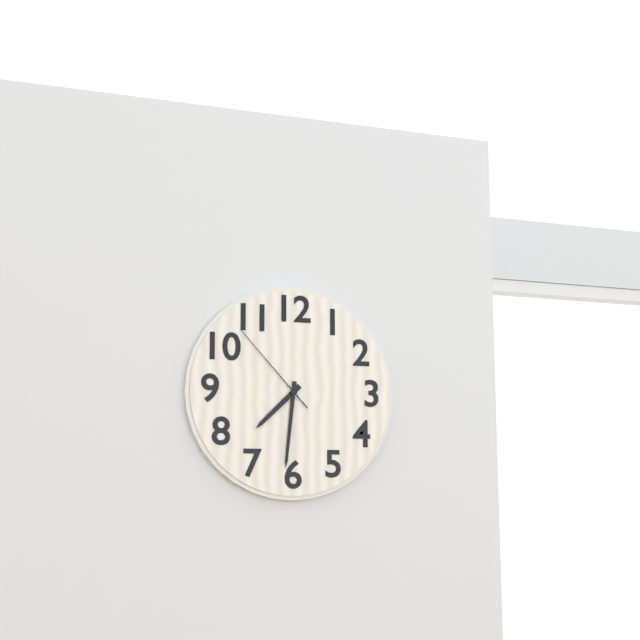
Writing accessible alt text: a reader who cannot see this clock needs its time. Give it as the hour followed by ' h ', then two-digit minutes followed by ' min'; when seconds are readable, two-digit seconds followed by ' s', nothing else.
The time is 7 h 31 min 53 s
